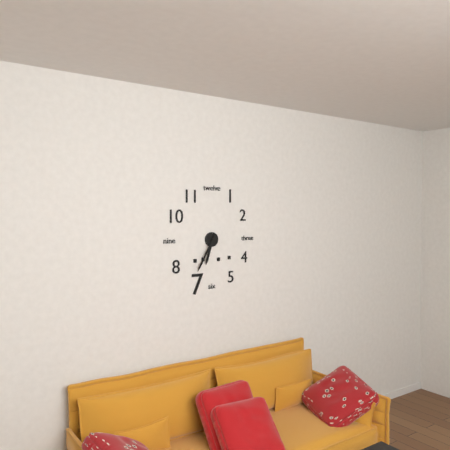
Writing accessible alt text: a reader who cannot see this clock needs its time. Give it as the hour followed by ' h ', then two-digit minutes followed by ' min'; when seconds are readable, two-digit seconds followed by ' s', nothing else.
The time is 6 h 35 min
